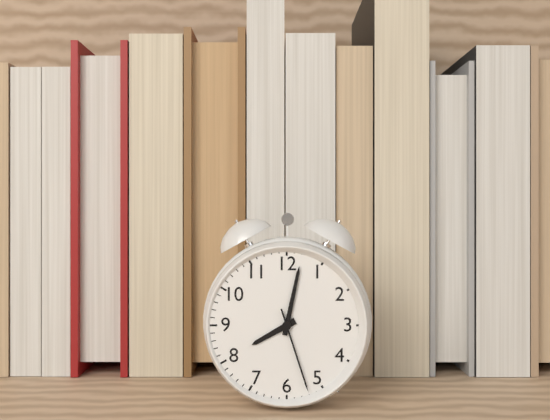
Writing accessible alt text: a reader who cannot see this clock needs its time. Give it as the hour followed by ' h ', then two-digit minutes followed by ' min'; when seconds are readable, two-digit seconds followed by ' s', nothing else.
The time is 8 h 02 min 27 s
